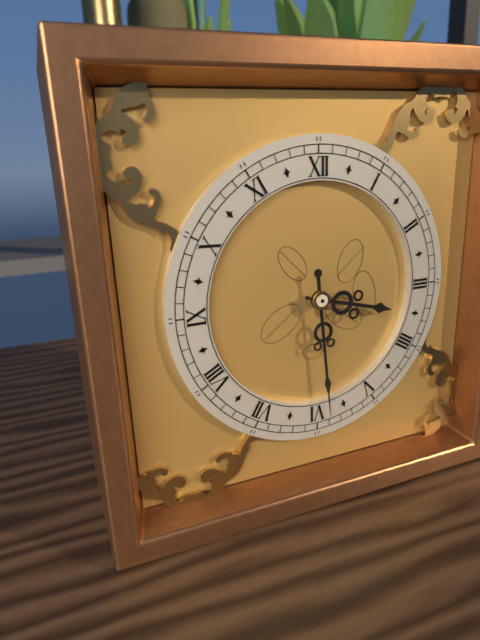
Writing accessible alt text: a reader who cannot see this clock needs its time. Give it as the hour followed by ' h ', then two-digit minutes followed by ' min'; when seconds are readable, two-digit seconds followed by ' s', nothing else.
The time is 3 h 29 min
